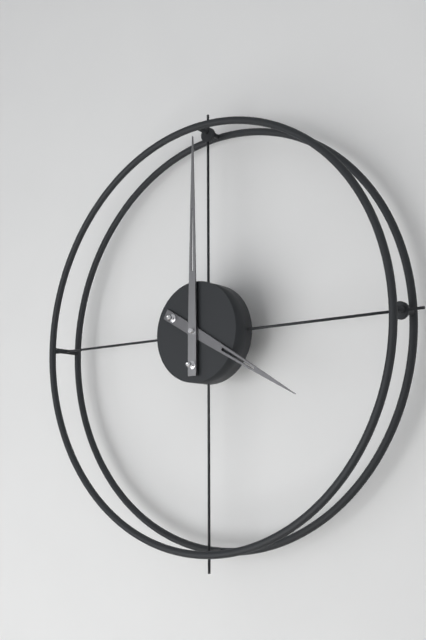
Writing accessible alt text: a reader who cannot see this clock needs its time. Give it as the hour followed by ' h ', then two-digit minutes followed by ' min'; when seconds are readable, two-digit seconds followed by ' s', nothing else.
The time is 4 h 00 min
